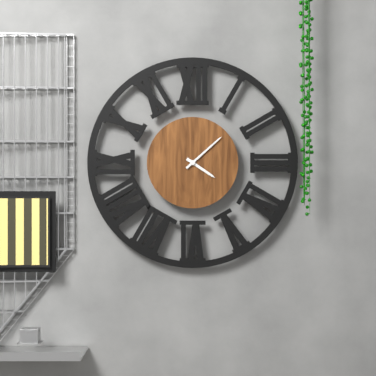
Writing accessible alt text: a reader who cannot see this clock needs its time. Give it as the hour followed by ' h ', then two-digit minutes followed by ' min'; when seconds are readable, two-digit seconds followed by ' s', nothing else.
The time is 4 h 08 min
